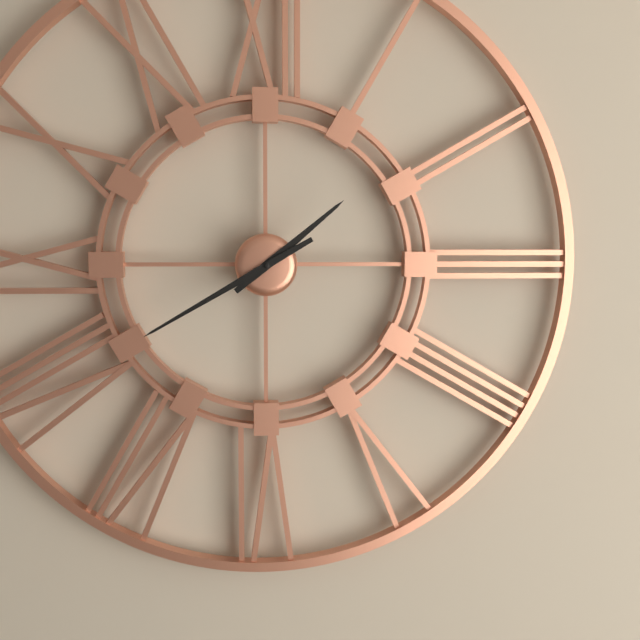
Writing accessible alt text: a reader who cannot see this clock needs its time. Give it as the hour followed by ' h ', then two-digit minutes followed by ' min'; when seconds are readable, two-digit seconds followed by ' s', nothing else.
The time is 1 h 40 min
